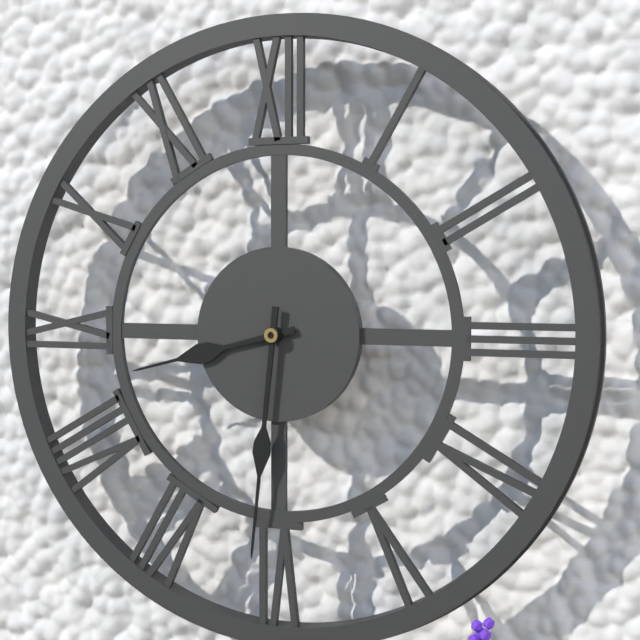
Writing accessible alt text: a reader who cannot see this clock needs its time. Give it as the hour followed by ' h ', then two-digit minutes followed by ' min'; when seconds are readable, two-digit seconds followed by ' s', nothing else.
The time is 8 h 31 min
